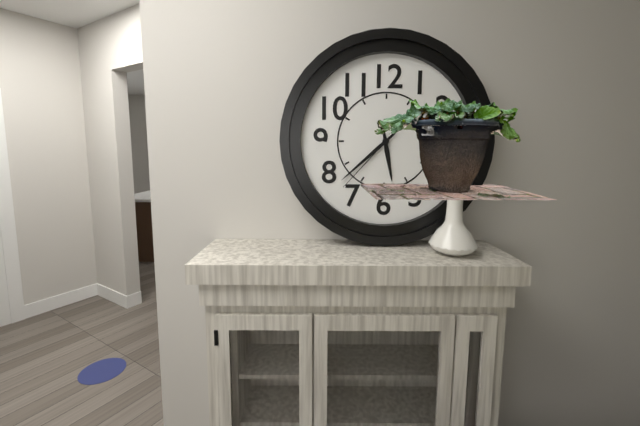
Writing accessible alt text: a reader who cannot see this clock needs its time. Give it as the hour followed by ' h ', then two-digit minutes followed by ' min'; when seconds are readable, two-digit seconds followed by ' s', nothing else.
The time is 5 h 38 min 37 s
